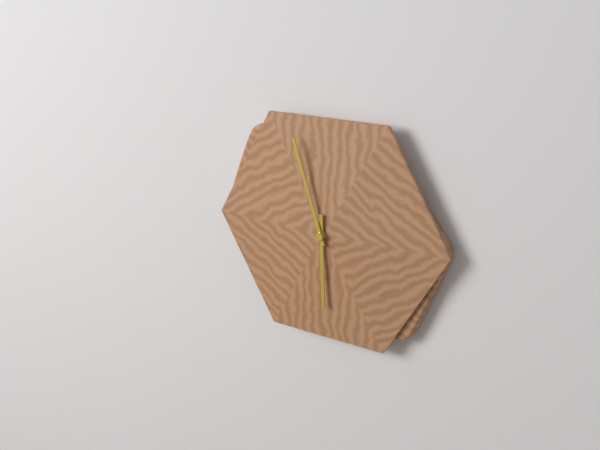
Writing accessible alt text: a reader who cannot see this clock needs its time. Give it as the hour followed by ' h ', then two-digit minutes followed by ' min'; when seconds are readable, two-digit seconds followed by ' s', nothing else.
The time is 5 h 57 min
